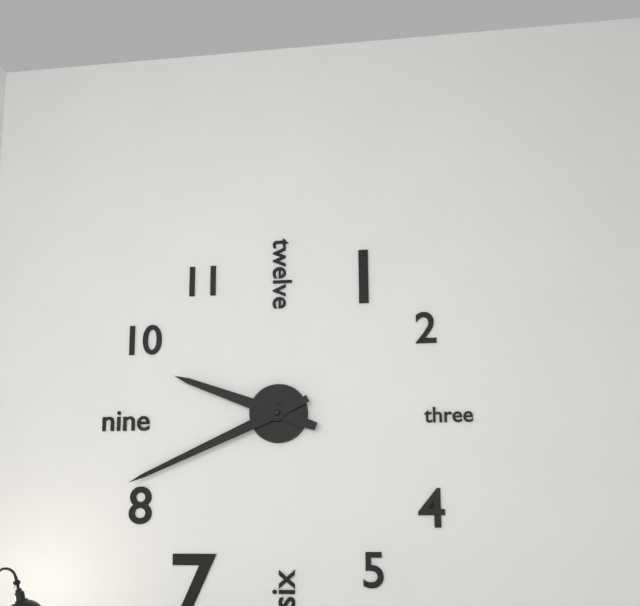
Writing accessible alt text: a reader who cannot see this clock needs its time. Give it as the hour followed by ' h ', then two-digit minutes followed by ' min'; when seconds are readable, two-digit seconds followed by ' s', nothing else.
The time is 9 h 41 min
